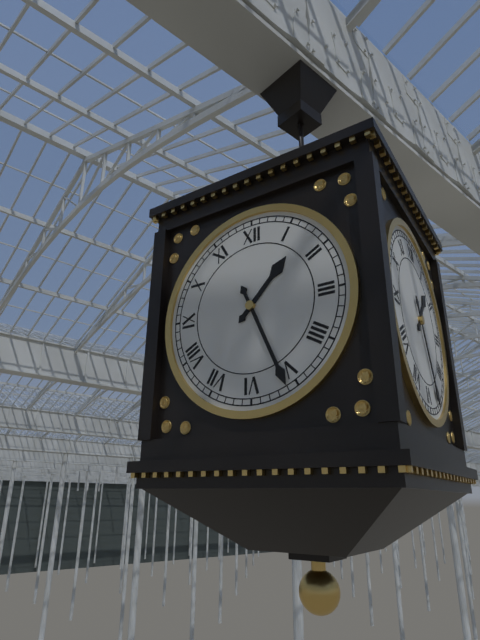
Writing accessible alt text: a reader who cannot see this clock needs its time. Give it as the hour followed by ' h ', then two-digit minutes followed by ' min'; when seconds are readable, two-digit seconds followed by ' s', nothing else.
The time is 1 h 26 min
